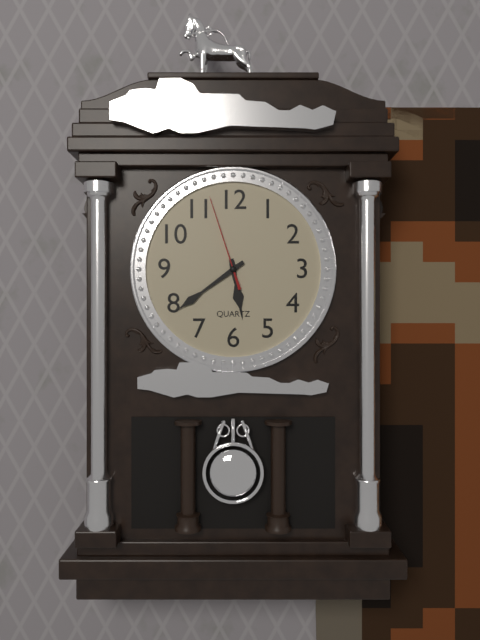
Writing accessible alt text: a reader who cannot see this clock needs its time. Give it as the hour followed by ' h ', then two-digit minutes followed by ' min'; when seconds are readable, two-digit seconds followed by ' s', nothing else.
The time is 5 h 39 min 57 s
